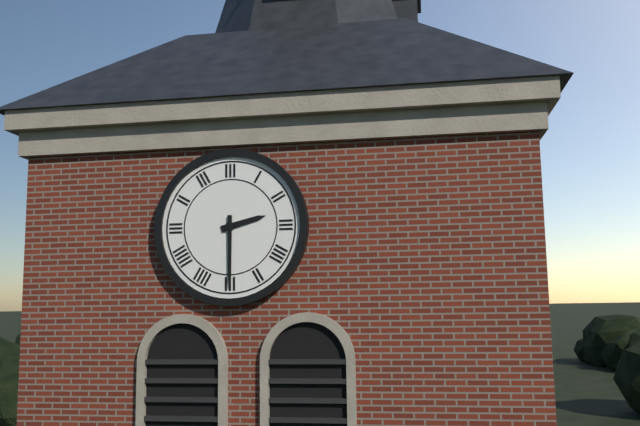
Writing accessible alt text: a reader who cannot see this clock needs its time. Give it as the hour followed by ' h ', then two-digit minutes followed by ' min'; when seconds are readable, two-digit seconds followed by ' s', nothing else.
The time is 2 h 30 min
